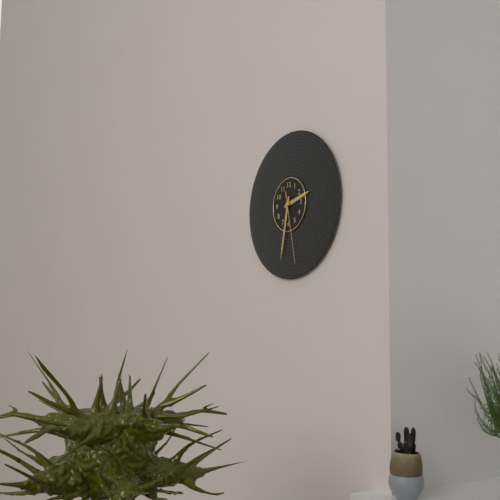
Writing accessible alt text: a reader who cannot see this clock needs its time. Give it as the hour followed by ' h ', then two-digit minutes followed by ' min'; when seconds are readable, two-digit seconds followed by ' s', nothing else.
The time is 2 h 32 min 28 s
